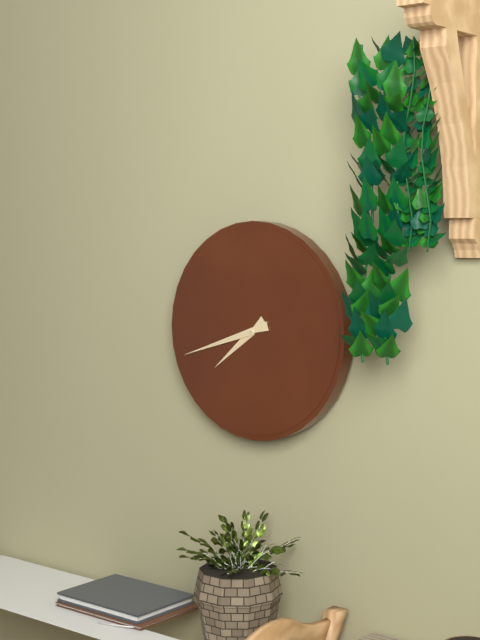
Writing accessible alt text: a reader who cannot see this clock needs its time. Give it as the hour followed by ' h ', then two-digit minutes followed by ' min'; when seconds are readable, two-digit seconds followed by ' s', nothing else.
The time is 7 h 42 min
